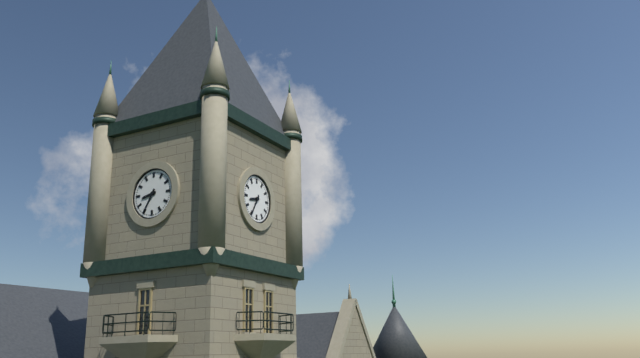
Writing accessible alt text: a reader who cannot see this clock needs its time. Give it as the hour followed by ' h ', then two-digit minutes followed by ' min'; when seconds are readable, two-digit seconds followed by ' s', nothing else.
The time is 8 h 35 min
